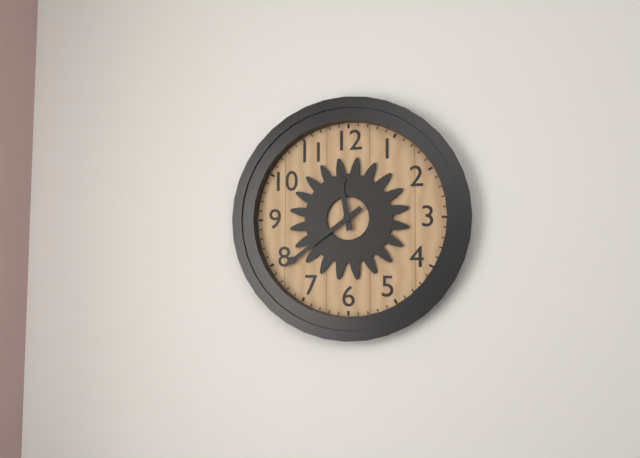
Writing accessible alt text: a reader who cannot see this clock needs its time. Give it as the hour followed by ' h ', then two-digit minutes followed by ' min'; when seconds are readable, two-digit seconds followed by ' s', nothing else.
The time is 11 h 39 min
